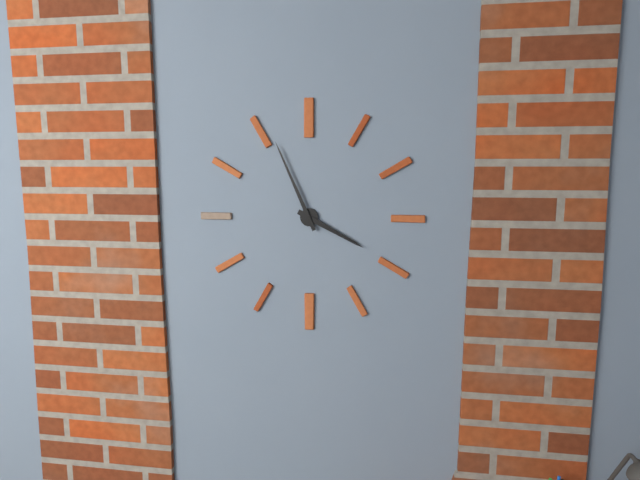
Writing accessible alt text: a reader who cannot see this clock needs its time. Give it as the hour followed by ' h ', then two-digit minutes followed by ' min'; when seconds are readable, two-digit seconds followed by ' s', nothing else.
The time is 3 h 56 min
